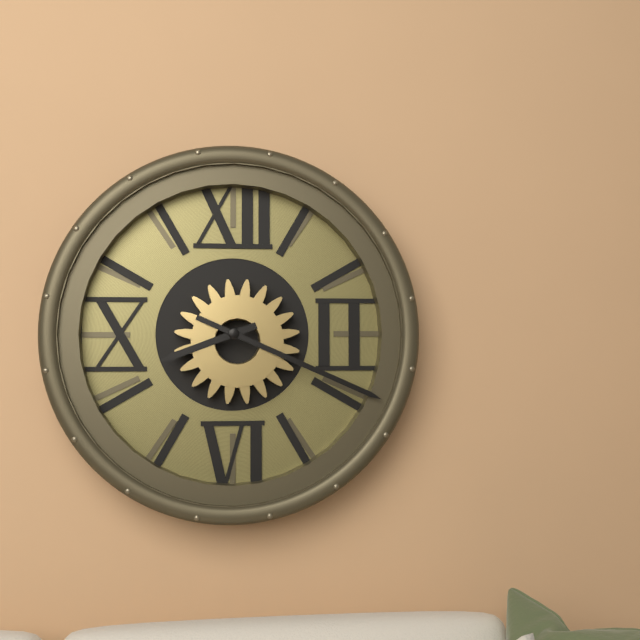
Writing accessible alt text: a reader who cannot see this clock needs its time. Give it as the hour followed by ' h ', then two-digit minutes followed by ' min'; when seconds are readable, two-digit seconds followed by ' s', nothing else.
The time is 8 h 19 min
